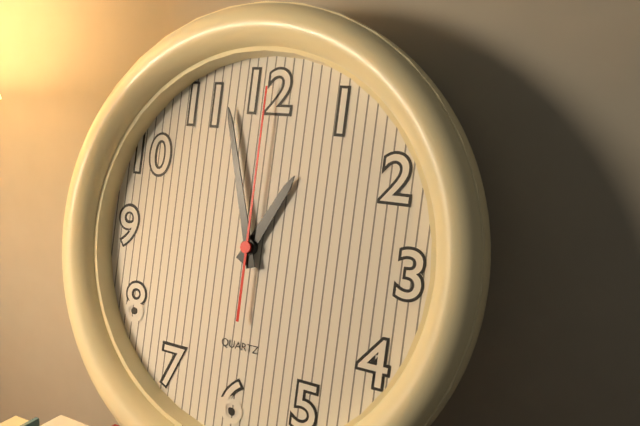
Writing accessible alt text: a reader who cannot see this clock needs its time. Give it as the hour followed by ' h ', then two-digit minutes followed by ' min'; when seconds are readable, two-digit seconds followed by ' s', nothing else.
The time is 12 h 57 min 00 s
